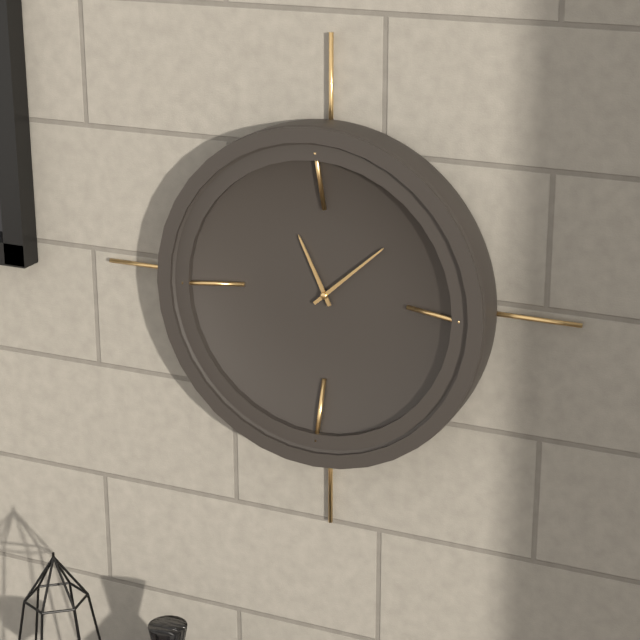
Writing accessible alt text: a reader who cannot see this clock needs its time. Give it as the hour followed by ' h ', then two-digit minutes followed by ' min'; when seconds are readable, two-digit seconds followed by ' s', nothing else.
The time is 11 h 08 min
